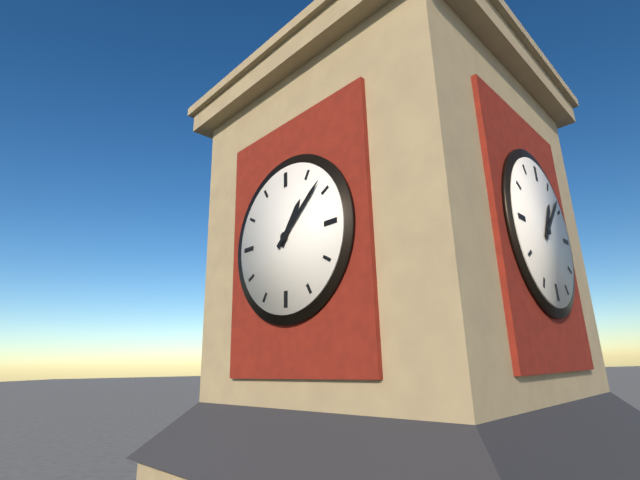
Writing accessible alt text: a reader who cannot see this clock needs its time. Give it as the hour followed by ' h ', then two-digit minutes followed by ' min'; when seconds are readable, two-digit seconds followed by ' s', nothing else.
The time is 1 h 08 min
